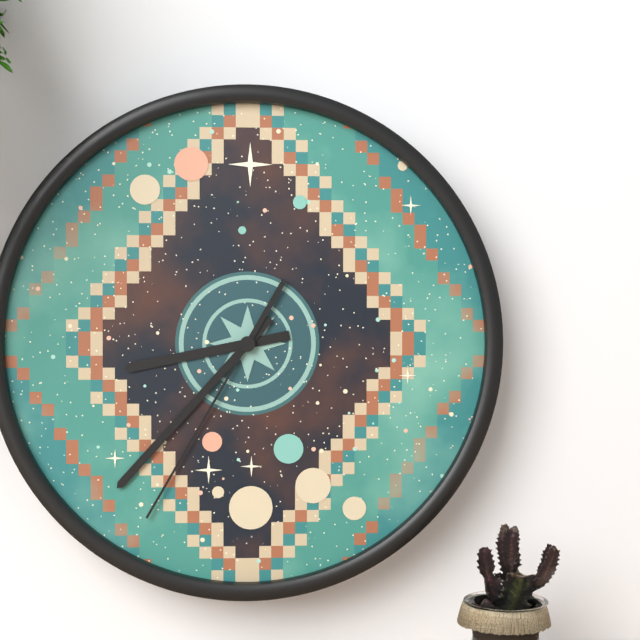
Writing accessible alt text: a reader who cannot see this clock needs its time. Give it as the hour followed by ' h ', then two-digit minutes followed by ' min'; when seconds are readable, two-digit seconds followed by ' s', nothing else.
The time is 8 h 37 min 35 s
